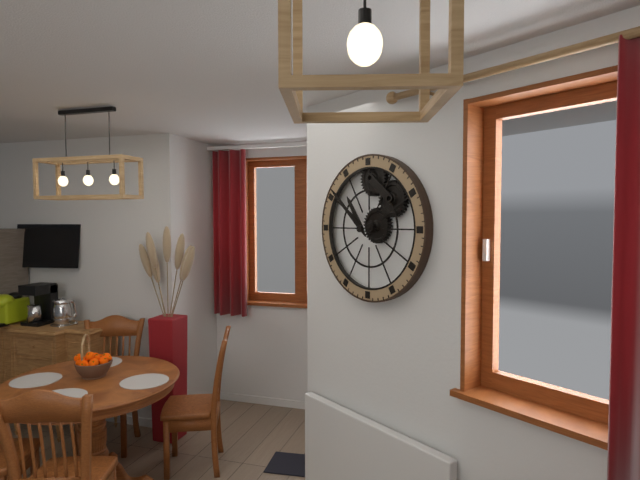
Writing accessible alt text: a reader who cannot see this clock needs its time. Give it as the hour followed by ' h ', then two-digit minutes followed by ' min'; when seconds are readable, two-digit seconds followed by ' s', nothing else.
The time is 10 h 52 min
